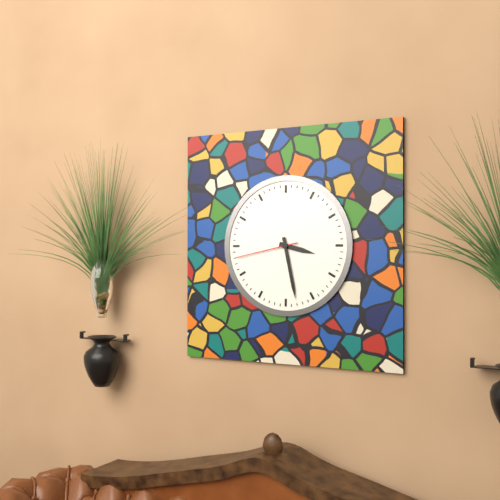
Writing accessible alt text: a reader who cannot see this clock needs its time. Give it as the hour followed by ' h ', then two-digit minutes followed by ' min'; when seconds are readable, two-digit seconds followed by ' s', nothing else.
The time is 3 h 28 min 43 s
